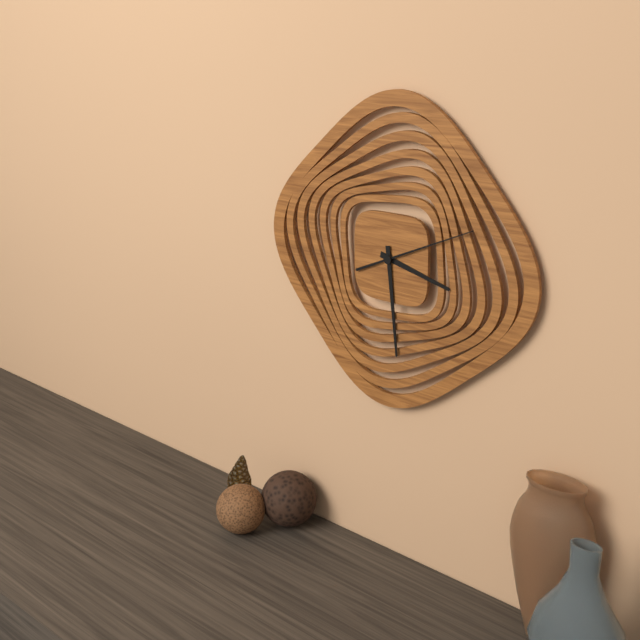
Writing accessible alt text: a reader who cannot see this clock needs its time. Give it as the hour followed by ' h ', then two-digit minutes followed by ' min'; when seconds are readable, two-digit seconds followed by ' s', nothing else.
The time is 3 h 29 min 11 s
